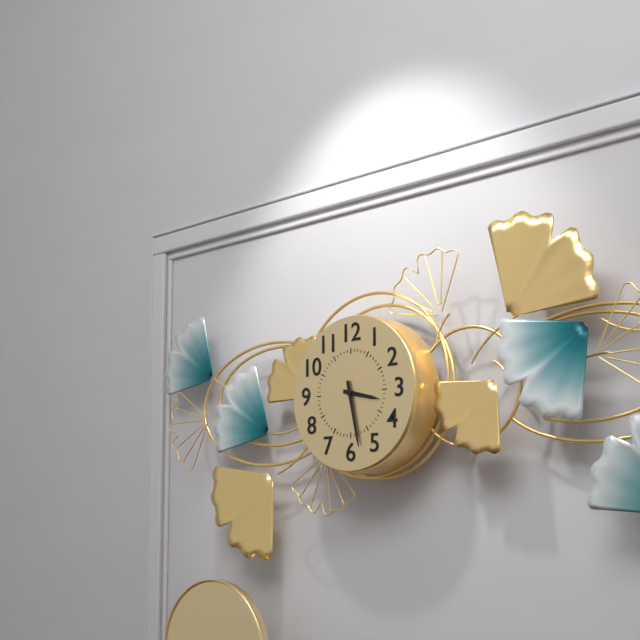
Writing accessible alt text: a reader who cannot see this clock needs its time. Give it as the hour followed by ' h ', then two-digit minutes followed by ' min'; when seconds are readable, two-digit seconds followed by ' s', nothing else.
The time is 3 h 28 min
